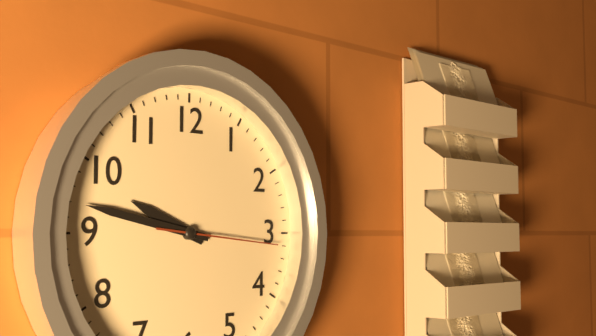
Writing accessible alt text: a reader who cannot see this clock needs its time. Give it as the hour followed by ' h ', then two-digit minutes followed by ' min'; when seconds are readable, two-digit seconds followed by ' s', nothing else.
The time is 9 h 47 min 16 s
